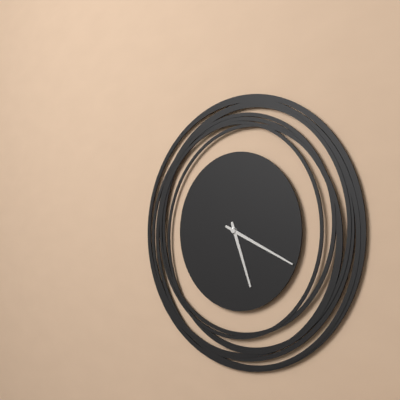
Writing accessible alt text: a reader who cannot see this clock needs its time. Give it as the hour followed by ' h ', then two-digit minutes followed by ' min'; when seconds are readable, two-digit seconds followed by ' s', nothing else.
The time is 5 h 19 min
